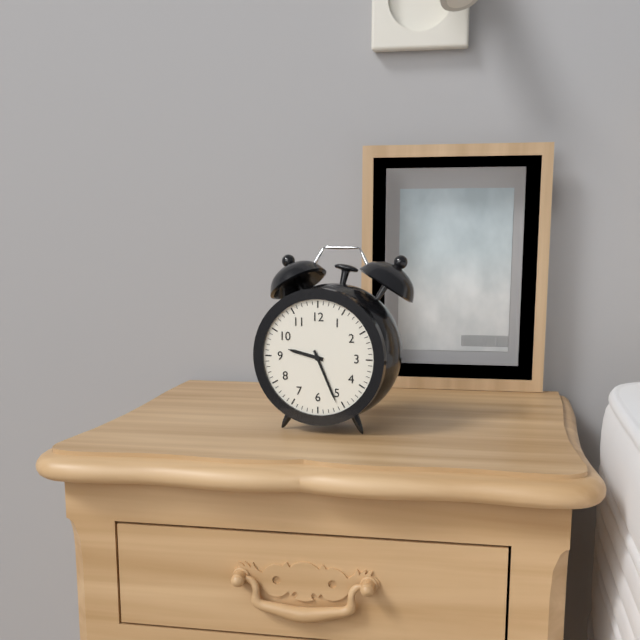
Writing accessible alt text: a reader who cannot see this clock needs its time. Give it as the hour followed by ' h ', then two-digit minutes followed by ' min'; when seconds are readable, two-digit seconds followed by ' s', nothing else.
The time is 9 h 26 min
